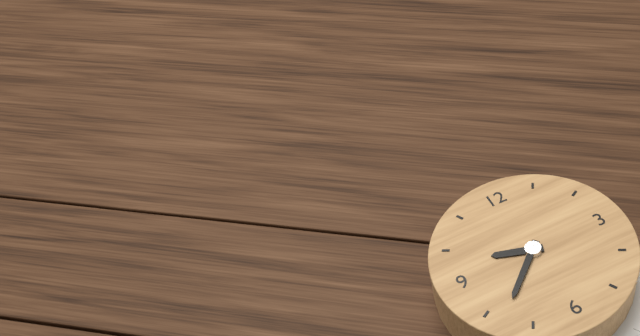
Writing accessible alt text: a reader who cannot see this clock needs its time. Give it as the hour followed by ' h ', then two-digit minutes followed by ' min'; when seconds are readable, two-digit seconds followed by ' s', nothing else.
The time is 9 h 38 min
